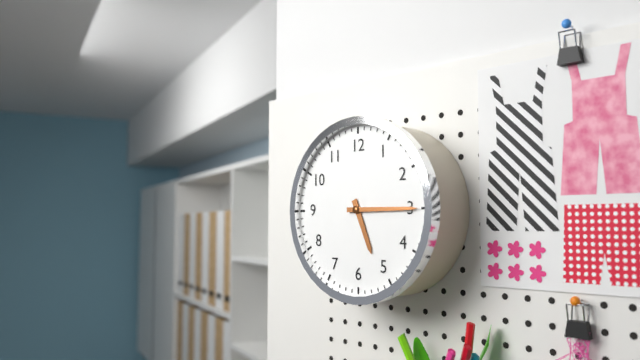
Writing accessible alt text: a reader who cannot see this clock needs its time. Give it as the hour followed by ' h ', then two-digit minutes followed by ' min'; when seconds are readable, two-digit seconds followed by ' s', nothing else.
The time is 5 h 15 min
